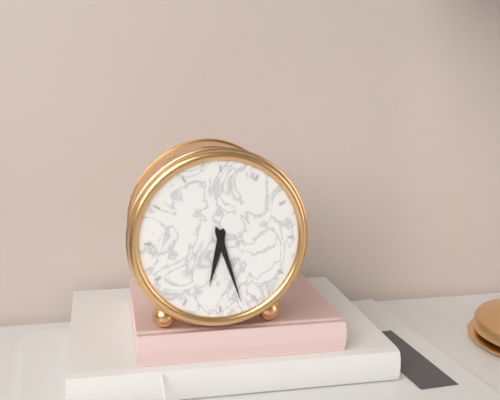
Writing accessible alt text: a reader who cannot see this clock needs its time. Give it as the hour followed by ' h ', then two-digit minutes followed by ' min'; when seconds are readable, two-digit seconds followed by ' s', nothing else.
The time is 6 h 27 min
